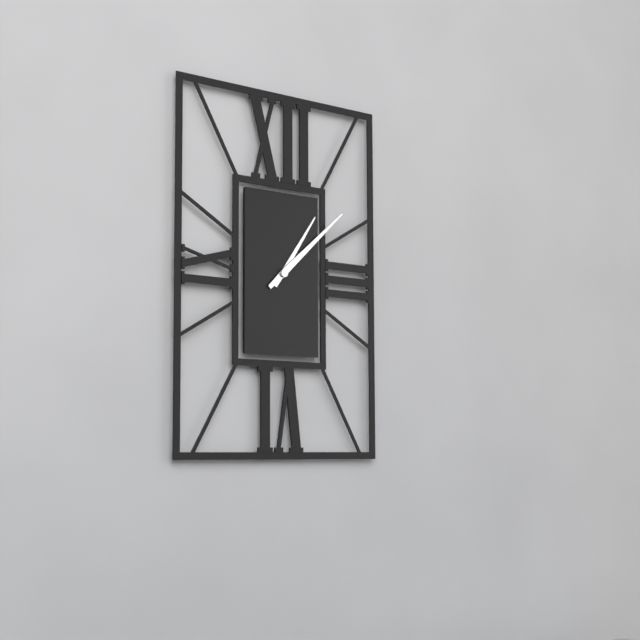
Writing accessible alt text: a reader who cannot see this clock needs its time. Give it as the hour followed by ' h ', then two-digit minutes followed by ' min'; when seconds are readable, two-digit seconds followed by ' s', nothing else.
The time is 1 h 08 min
